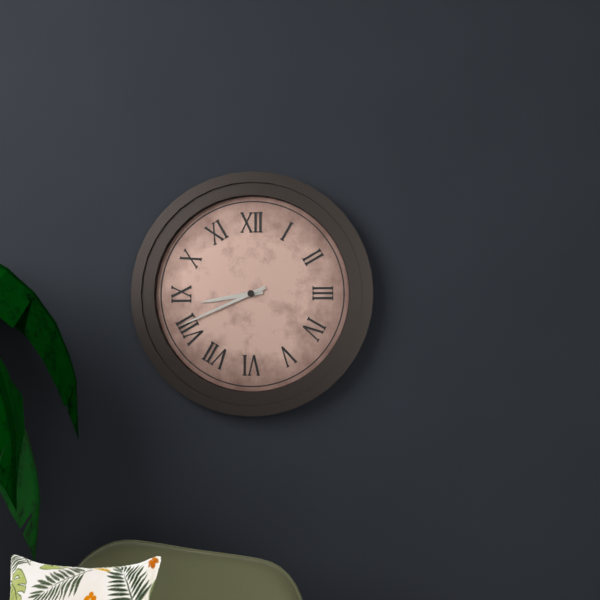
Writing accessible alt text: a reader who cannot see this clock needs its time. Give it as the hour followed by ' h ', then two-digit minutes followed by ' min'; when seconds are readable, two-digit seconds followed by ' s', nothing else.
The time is 8 h 41 min
